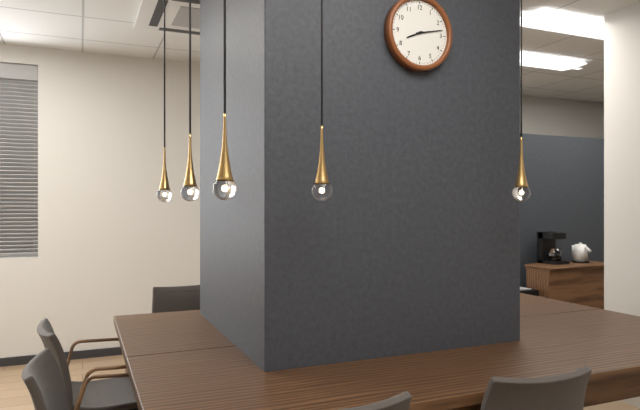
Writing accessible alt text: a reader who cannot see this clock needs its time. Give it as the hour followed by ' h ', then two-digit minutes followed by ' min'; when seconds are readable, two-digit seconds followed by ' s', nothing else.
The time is 8 h 13 min
